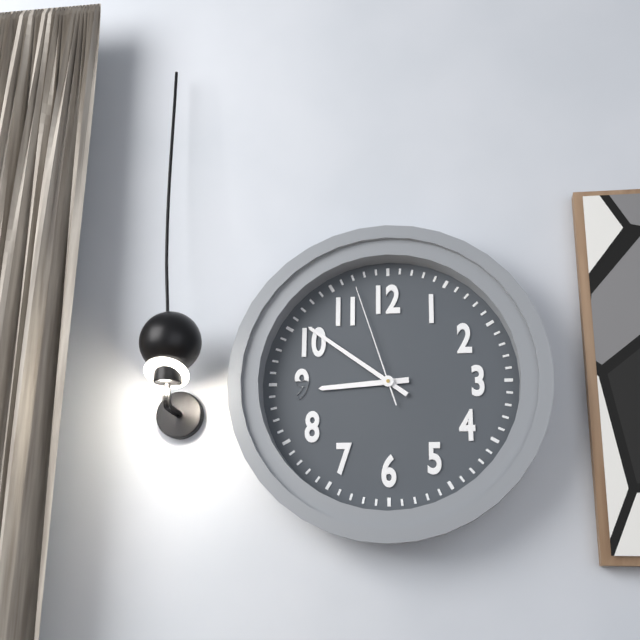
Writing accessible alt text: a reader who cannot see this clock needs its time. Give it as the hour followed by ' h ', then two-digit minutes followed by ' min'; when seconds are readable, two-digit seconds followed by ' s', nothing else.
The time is 8 h 51 min 57 s
